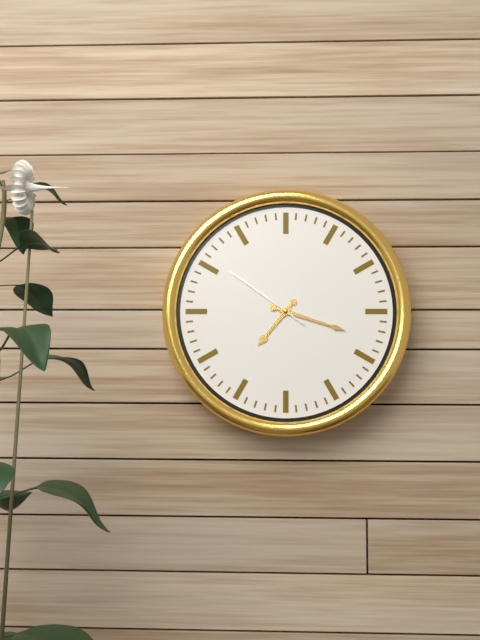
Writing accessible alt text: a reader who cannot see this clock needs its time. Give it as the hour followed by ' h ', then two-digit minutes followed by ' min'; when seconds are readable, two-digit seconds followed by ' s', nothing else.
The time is 7 h 18 min 51 s
